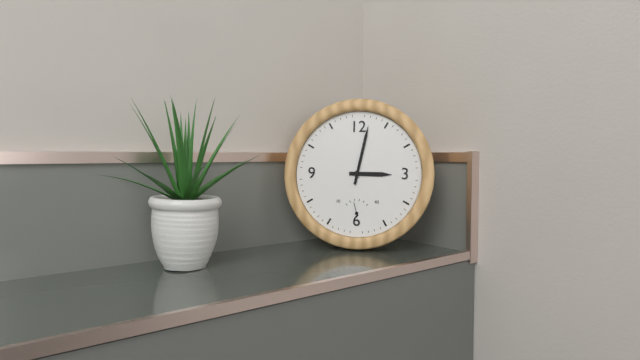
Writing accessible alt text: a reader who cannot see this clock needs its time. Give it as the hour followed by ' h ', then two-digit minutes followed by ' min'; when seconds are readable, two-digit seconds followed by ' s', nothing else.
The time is 3 h 02 min
